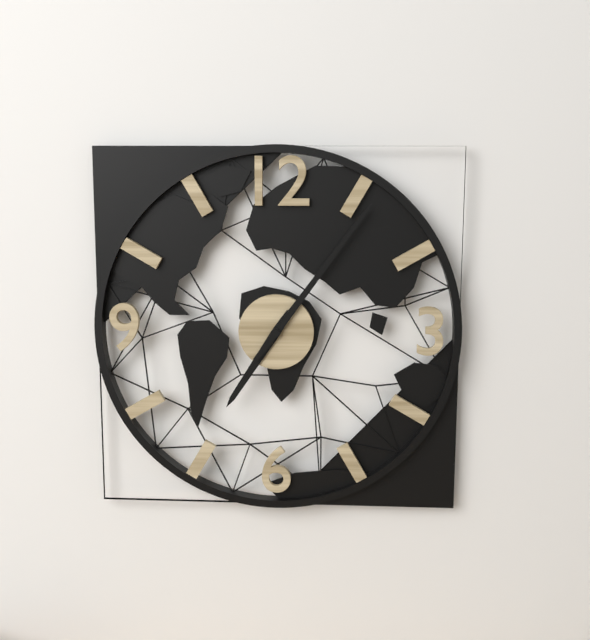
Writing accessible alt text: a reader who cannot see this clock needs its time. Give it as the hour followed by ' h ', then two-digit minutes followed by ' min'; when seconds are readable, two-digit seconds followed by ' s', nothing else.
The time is 7 h 06 min
